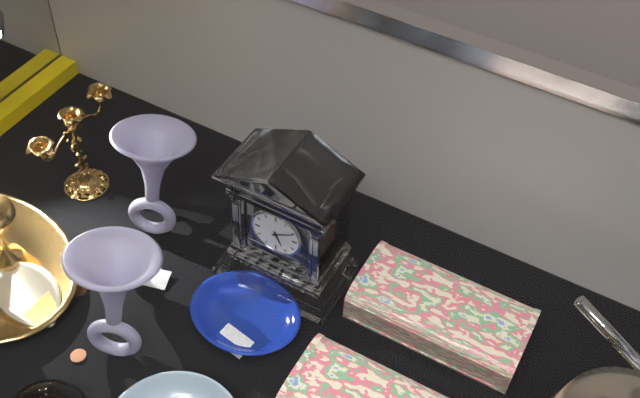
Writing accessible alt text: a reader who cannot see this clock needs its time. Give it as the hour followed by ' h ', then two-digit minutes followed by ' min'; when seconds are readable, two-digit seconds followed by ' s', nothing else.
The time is 5 h 10 min
